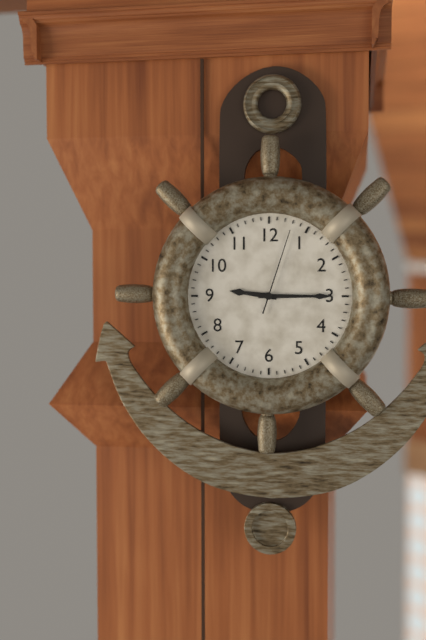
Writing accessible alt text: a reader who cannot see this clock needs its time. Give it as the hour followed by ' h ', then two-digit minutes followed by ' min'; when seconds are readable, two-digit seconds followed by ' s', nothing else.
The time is 9 h 15 min 03 s
